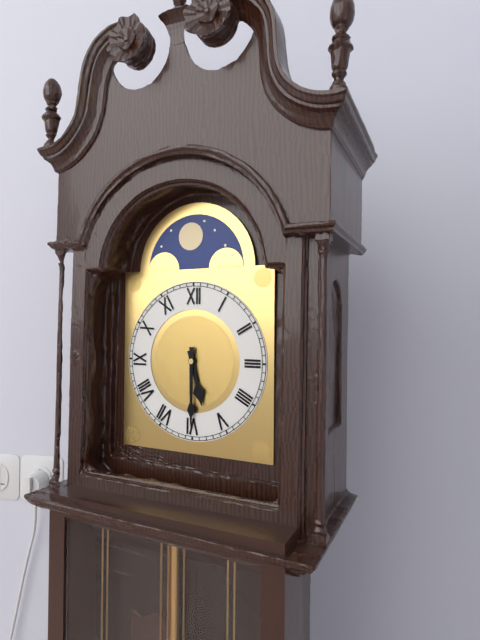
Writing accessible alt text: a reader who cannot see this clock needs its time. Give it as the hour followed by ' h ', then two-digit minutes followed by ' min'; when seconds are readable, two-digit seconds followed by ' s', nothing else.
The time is 5 h 30 min
